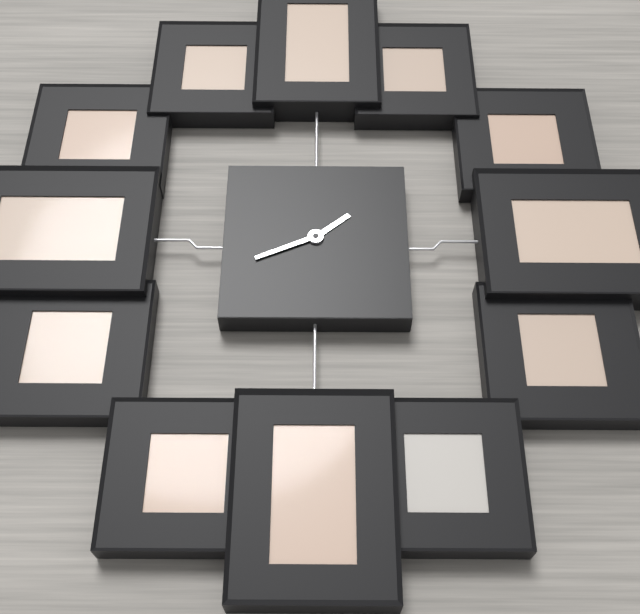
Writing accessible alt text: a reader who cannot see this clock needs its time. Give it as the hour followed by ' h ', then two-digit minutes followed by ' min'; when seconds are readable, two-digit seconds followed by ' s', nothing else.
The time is 1 h 41 min
